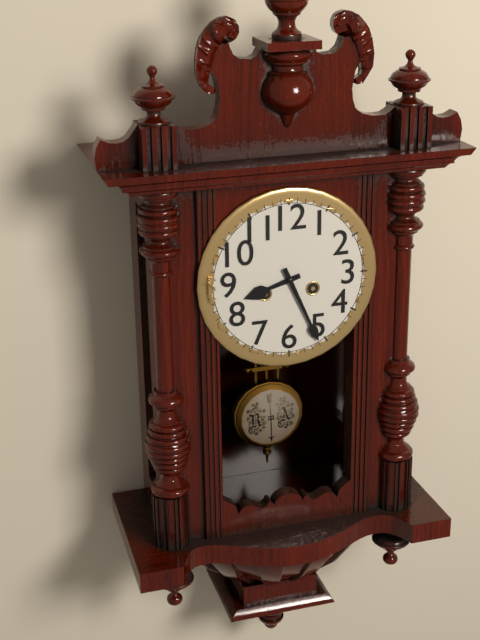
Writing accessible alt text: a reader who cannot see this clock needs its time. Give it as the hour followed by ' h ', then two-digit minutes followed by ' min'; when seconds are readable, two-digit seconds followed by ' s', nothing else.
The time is 8 h 26 min
